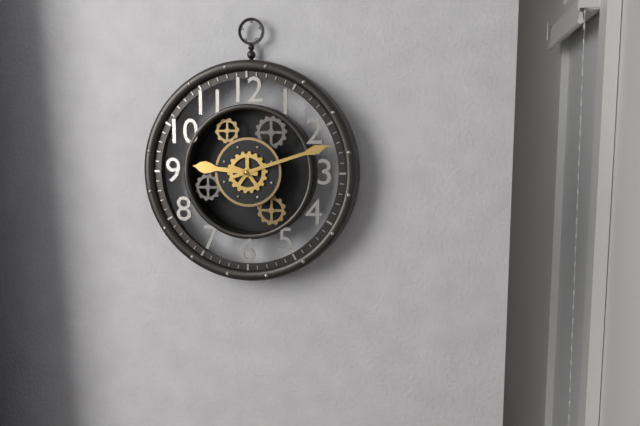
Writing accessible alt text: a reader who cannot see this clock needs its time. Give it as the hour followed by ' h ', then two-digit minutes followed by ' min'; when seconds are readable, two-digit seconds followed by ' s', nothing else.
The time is 9 h 12 min
